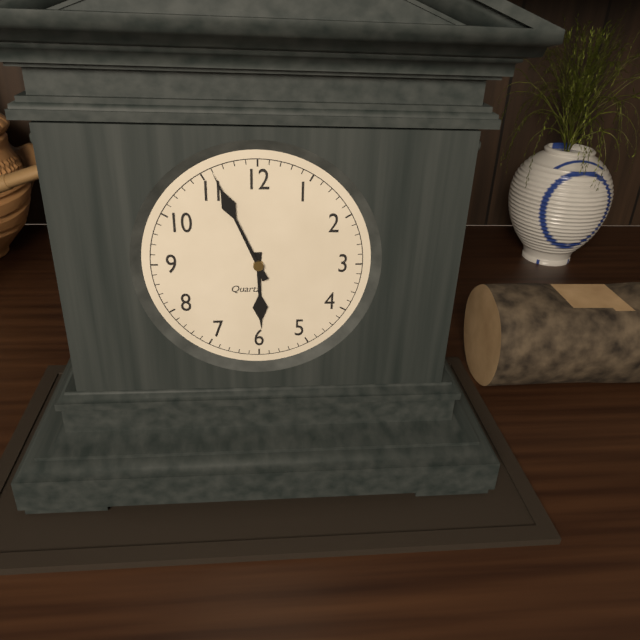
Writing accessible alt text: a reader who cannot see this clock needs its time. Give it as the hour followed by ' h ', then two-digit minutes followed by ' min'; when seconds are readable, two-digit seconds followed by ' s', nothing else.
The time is 5 h 56 min
